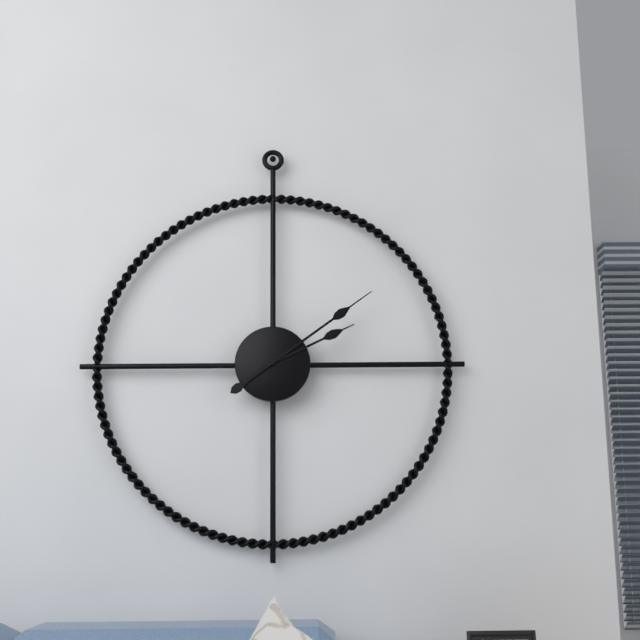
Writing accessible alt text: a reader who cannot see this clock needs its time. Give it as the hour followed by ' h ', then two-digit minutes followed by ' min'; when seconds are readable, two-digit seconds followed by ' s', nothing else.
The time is 2 h 09 min
